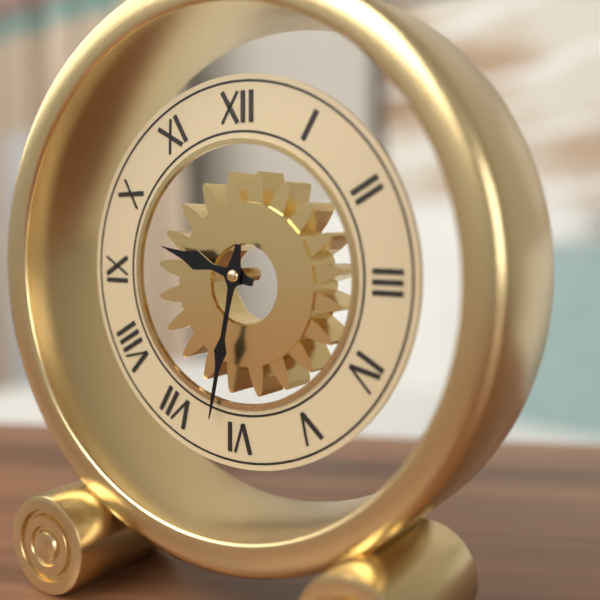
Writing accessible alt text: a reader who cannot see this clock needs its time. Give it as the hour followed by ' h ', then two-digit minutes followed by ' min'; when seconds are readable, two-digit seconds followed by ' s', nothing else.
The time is 9 h 32 min
